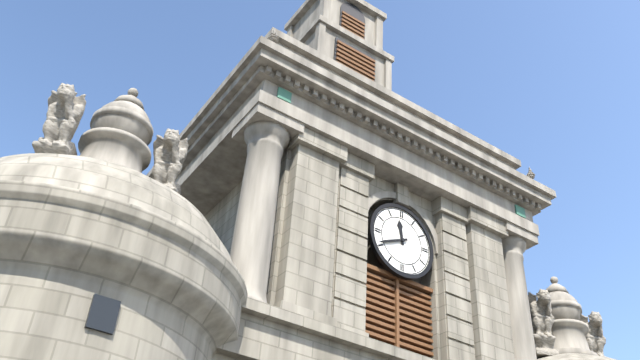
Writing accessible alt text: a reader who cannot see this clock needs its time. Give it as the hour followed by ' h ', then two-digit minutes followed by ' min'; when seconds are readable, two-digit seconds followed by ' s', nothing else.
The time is 11 h 41 min
